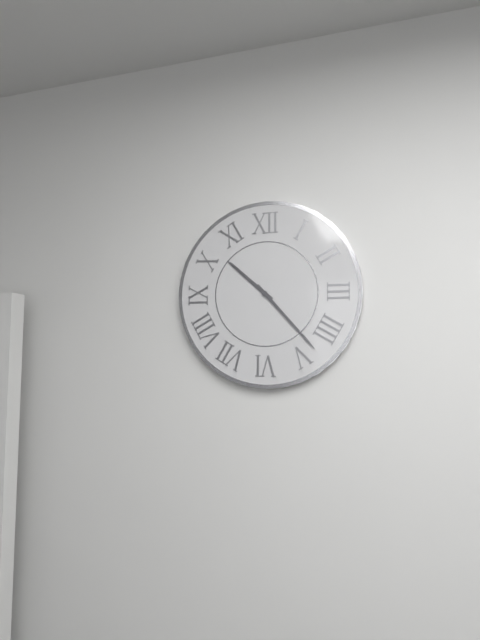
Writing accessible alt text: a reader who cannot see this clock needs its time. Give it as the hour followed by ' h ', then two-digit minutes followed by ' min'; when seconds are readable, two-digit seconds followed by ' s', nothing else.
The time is 10 h 23 min
